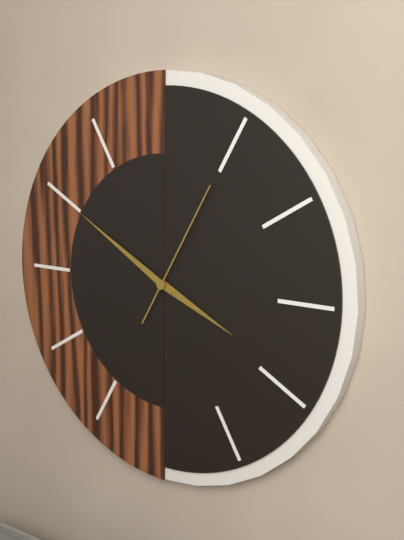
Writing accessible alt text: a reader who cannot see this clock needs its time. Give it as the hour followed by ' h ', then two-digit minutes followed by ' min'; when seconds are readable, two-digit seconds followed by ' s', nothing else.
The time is 3 h 50 min 05 s
